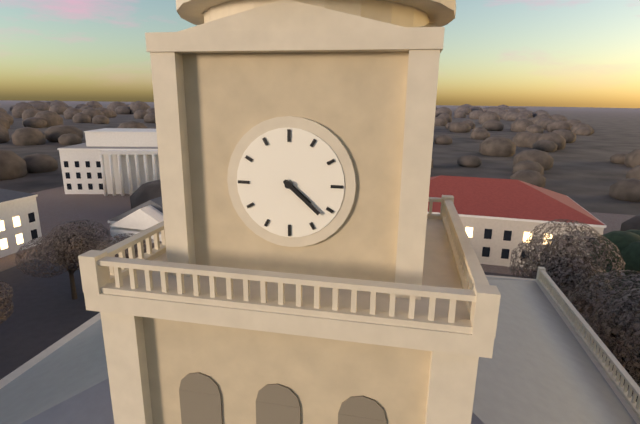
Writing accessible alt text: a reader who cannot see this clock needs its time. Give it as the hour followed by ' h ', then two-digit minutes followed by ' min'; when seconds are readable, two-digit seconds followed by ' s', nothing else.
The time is 4 h 22 min
